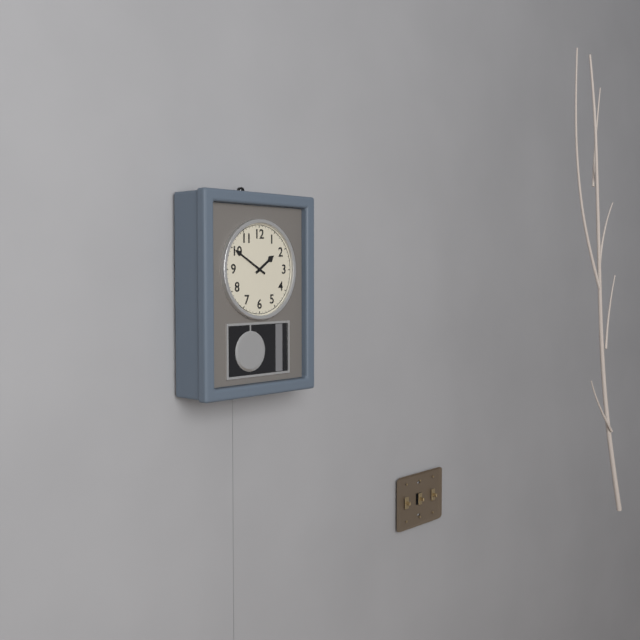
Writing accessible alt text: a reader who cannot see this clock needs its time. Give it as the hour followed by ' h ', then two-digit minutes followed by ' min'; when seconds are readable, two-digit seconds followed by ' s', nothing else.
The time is 1 h 50 min
